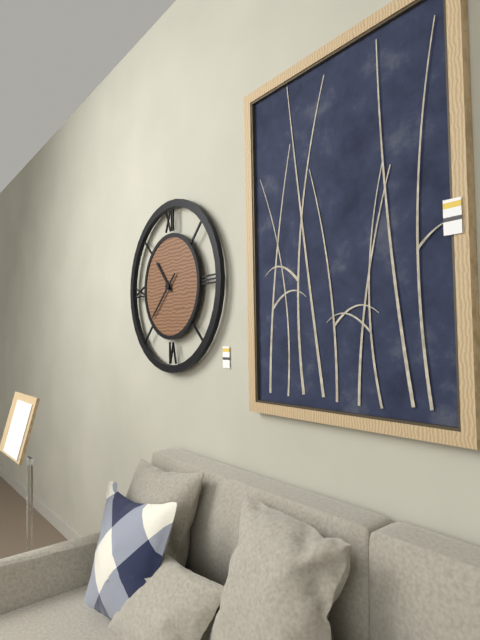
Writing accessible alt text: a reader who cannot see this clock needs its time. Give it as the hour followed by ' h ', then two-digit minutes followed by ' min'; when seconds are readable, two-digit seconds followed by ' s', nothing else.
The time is 10 h 38 min
